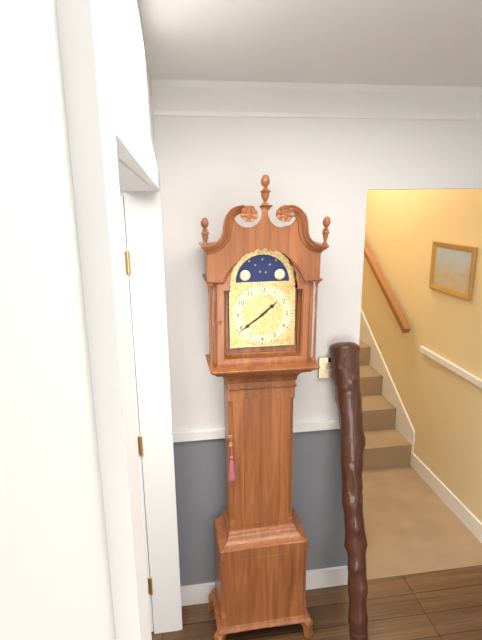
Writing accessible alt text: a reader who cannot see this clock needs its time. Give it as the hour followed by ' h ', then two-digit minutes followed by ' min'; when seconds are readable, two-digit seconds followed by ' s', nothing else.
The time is 1 h 39 min
